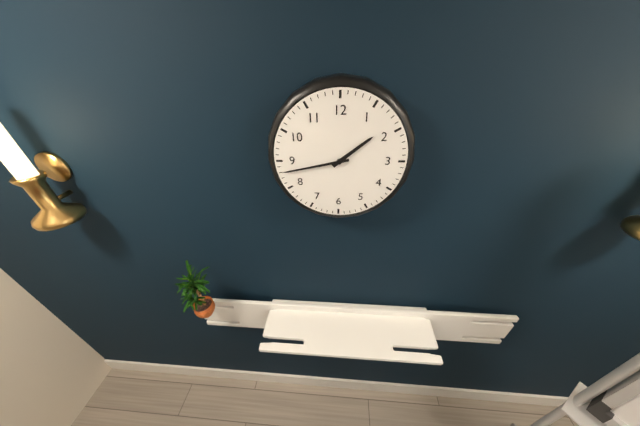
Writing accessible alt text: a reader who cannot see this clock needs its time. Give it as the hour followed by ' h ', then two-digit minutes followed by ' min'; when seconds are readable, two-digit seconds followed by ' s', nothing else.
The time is 1 h 43 min
